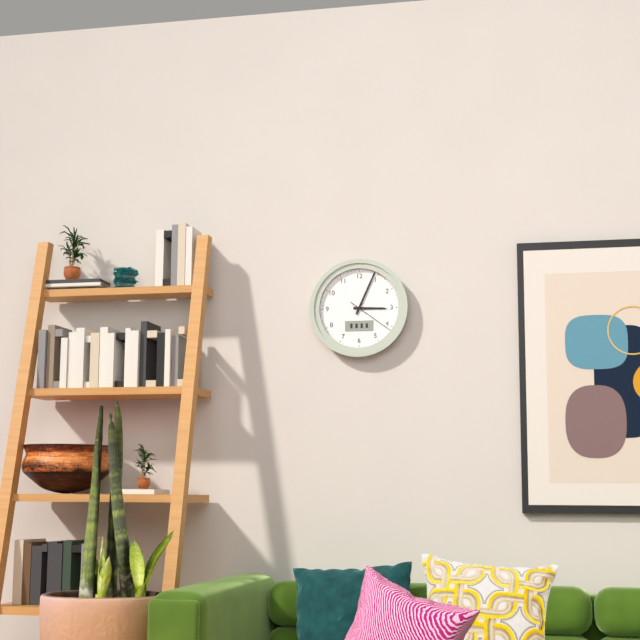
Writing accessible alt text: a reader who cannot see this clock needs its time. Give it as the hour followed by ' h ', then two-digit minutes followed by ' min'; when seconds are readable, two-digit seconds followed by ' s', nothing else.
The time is 3 h 04 min 21 s
